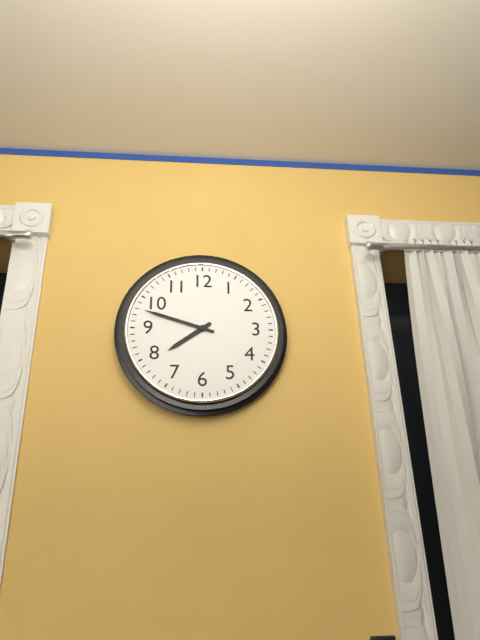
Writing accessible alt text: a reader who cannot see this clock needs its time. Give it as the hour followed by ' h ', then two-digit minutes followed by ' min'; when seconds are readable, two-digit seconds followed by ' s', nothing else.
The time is 7 h 48 min
